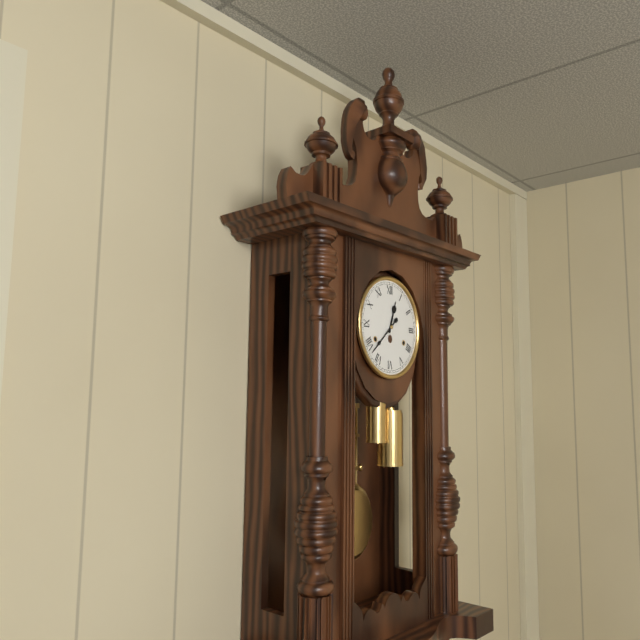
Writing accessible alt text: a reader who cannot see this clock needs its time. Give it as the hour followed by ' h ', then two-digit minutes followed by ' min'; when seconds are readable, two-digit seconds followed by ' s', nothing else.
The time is 12 h 38 min
